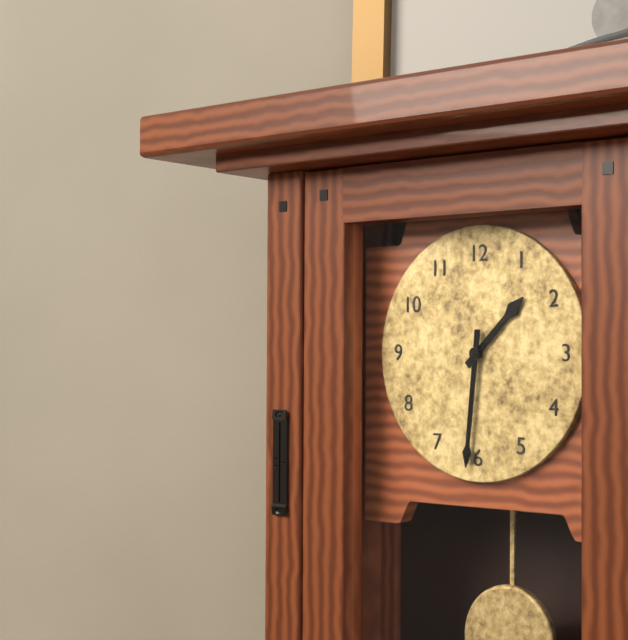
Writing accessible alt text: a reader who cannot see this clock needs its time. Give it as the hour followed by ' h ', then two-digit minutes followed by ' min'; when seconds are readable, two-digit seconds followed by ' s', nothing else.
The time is 1 h 31 min
